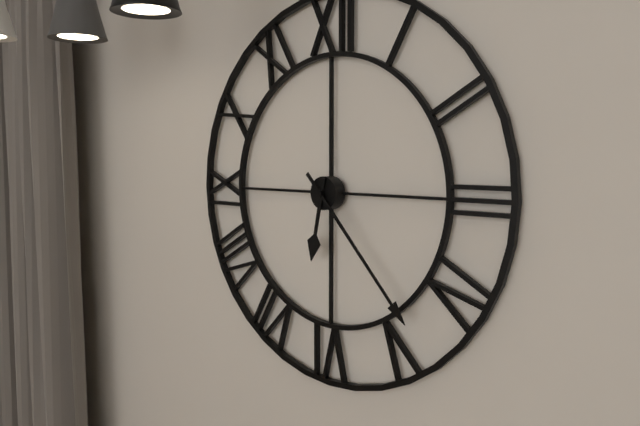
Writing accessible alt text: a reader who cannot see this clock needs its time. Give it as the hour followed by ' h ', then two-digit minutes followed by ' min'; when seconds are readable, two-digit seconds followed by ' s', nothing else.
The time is 6 h 23 min
